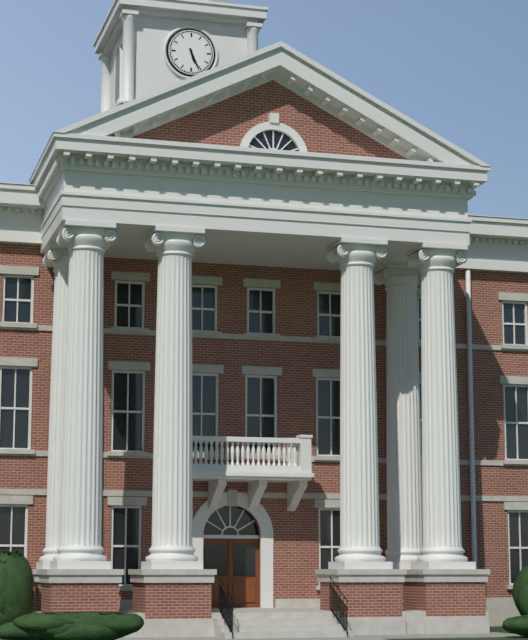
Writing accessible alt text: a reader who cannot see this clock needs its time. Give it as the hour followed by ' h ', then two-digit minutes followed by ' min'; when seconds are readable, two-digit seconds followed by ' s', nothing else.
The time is 5 h 26 min
